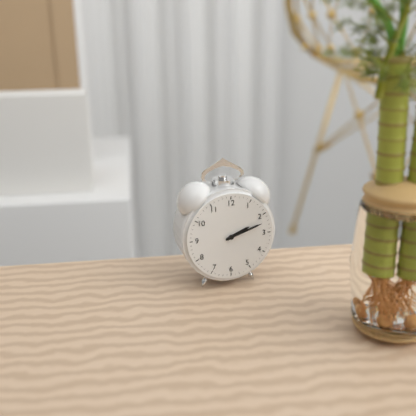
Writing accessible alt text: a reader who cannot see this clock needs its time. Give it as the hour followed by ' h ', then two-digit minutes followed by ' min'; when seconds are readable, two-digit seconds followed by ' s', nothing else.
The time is 2 h 12 min
